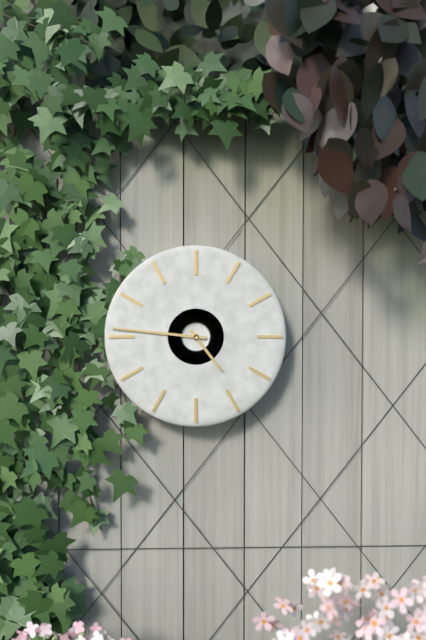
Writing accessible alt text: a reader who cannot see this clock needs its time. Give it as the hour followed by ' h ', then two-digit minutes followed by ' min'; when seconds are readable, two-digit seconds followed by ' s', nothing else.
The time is 4 h 46 min
